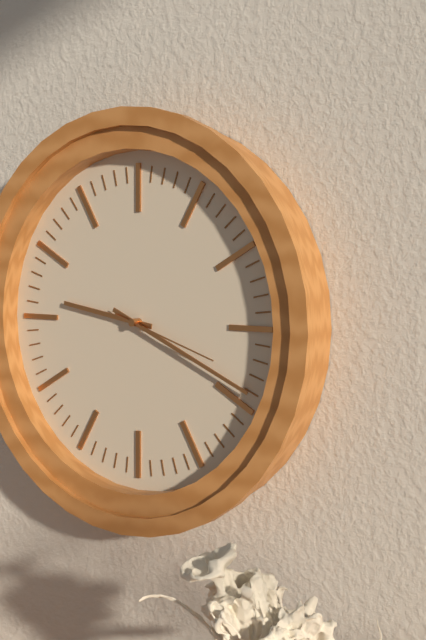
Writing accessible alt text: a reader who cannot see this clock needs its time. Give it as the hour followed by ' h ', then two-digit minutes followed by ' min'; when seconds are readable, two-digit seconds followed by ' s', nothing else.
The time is 9 h 19 min 18 s
